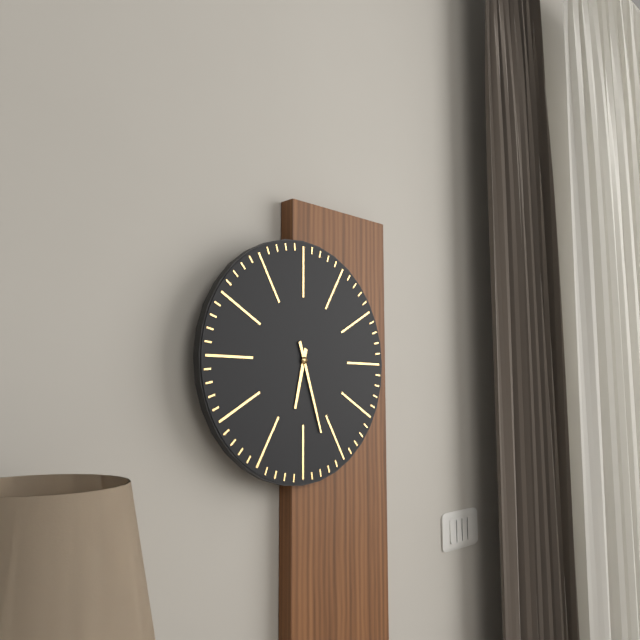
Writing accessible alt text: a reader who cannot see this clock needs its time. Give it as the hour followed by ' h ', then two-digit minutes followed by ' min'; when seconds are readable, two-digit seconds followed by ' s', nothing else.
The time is 6 h 27 min
